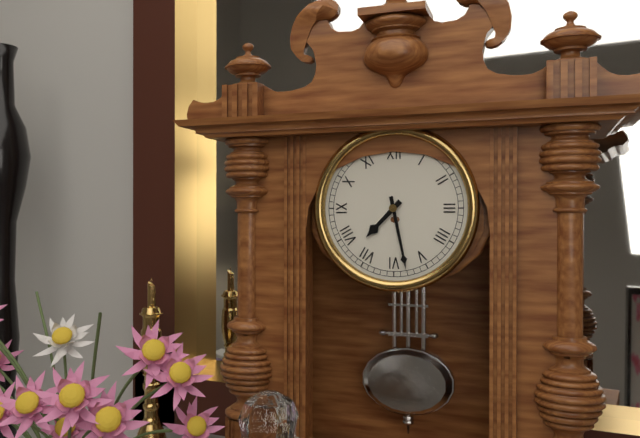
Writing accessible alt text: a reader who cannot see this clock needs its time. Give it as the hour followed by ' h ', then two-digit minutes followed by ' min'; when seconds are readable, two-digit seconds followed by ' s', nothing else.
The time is 7 h 28 min
